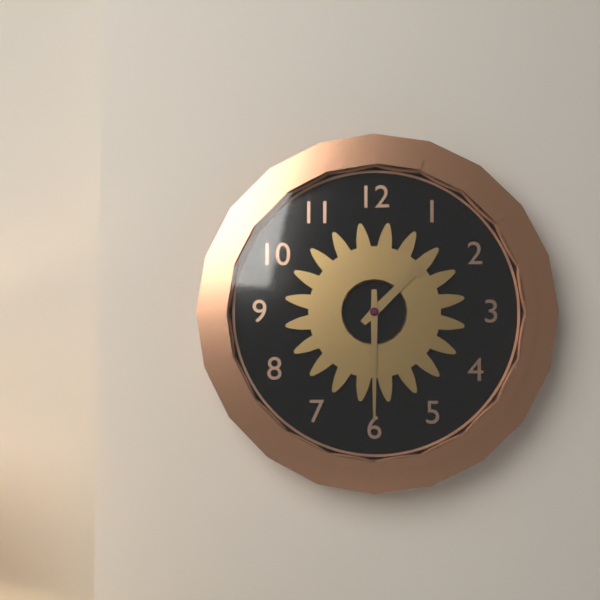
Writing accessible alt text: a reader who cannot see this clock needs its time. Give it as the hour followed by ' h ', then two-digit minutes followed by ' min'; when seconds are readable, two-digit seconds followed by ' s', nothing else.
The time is 1 h 30 min
